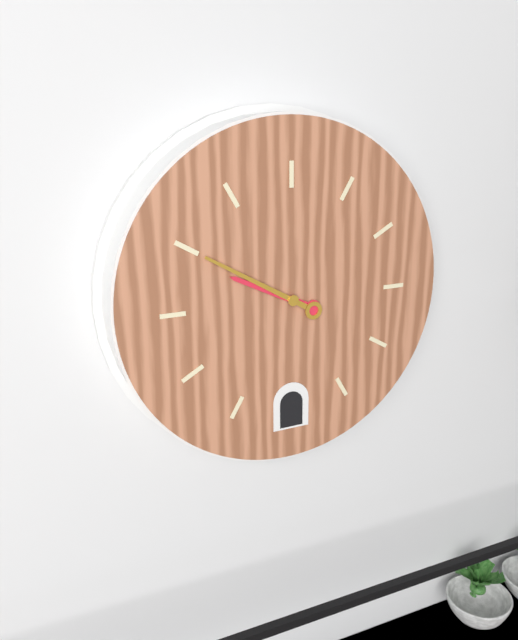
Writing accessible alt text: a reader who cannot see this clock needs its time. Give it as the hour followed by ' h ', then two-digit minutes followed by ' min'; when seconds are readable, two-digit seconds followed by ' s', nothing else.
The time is 9 h 50 min
